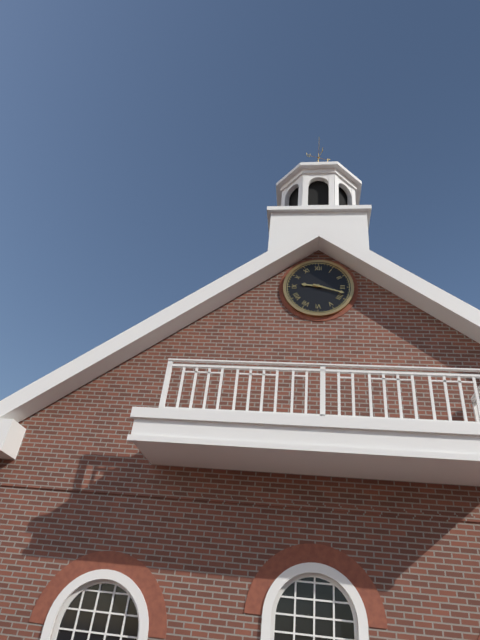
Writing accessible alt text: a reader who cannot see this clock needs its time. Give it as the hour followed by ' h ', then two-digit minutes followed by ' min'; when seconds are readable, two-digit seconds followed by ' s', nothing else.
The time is 9 h 18 min
